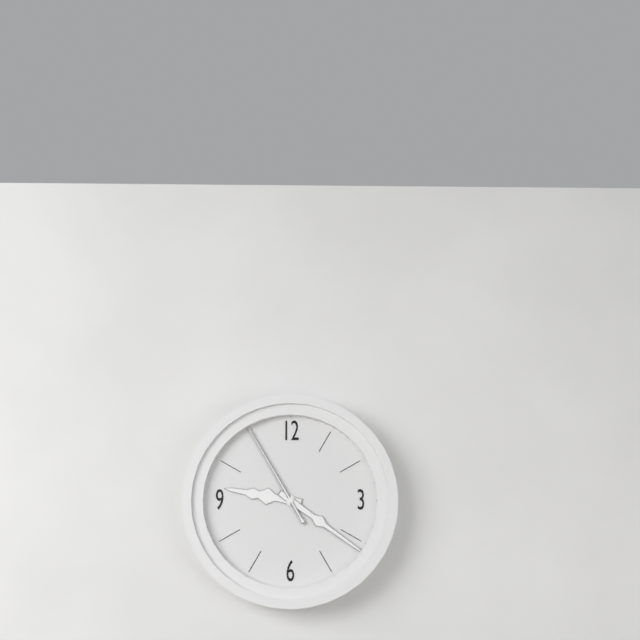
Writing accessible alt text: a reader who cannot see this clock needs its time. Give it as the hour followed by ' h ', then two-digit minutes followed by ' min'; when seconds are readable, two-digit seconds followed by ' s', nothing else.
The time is 9 h 21 min 55 s
